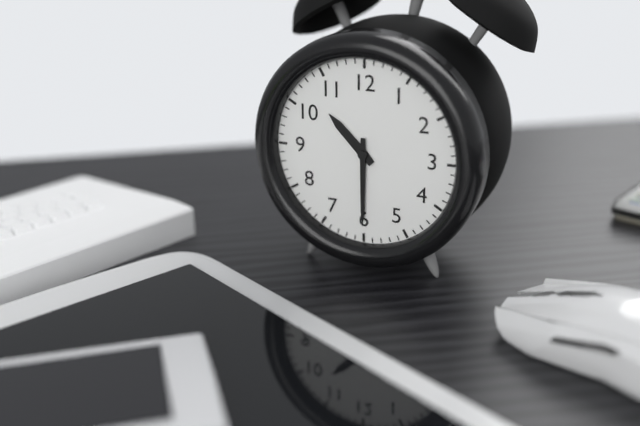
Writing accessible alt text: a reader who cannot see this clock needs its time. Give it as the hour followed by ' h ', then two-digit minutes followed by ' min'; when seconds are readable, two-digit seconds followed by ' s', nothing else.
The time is 10 h 30 min
